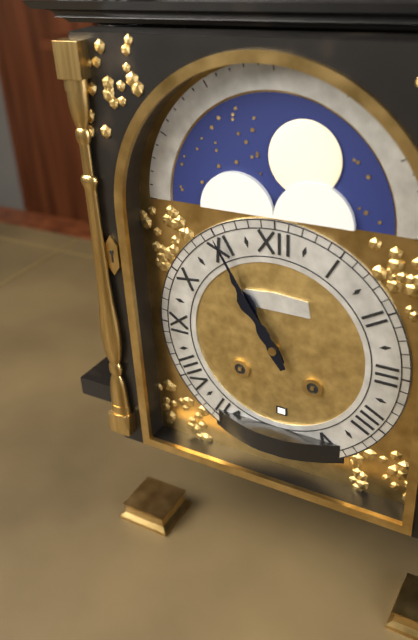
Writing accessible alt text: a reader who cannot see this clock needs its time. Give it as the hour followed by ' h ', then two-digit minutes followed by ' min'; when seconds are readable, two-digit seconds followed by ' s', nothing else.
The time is 10 h 55 min
